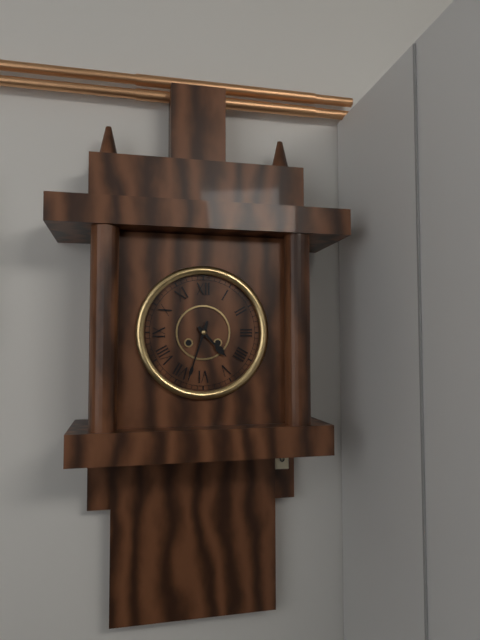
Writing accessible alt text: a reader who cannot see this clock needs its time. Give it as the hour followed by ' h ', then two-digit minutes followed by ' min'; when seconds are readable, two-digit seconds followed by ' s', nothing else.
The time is 4 h 33 min
